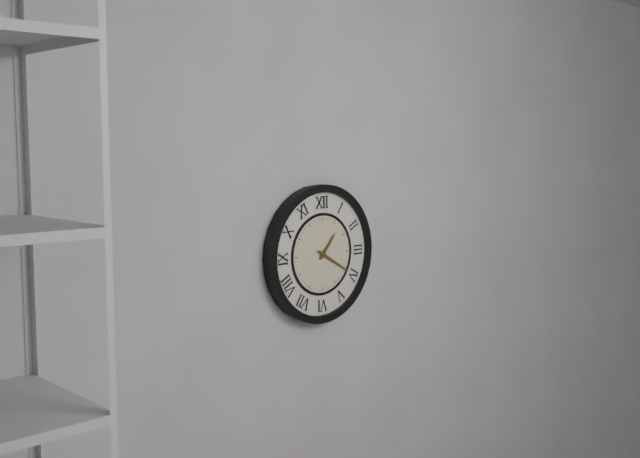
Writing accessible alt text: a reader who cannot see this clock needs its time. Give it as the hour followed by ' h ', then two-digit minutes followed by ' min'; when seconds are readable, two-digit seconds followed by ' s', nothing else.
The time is 1 h 20 min
